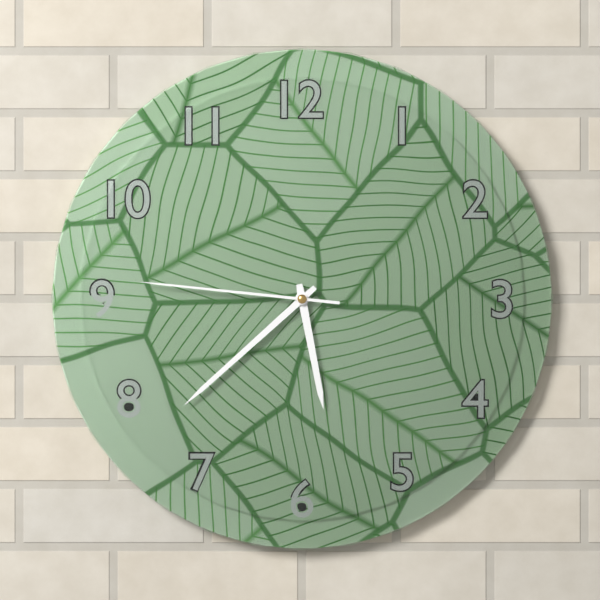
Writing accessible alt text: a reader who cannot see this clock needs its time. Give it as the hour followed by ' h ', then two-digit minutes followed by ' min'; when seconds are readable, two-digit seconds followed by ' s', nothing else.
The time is 5 h 38 min 46 s
